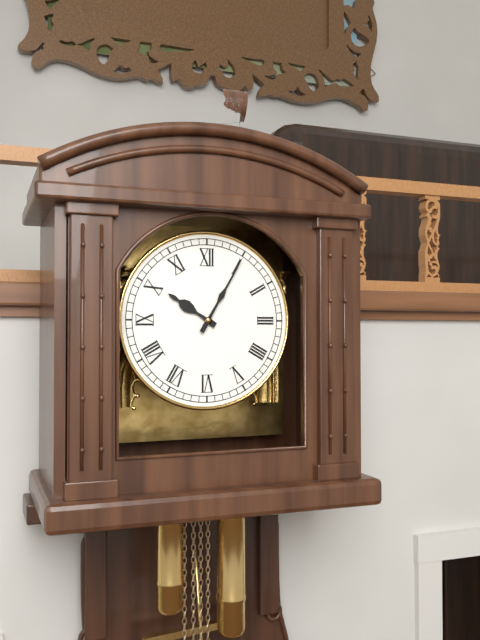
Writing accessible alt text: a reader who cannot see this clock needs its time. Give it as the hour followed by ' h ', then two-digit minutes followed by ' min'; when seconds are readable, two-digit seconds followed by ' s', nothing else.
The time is 10 h 05 min
